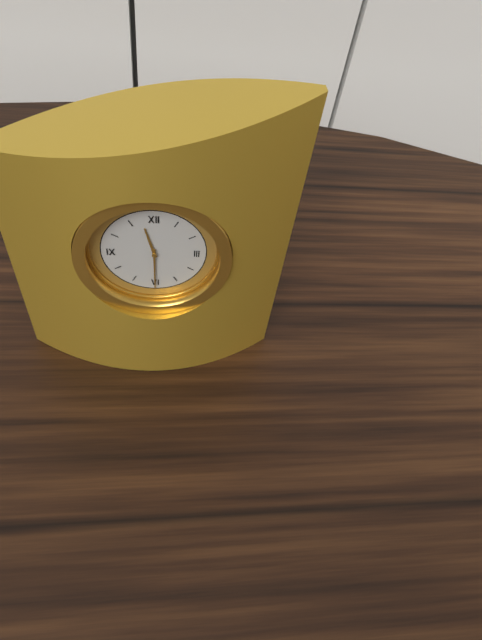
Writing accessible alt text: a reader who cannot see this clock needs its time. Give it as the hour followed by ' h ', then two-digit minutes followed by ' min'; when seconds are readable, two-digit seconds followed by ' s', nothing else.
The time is 11 h 30 min
